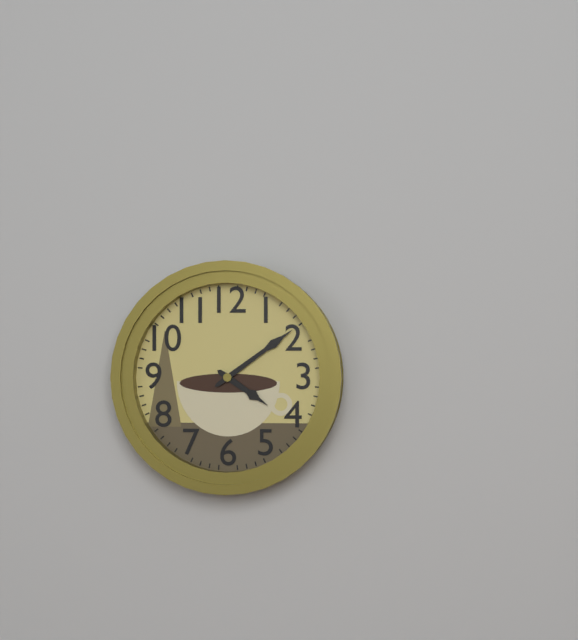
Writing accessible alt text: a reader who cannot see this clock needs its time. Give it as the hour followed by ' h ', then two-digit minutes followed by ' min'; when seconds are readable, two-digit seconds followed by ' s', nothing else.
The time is 4 h 09 min
